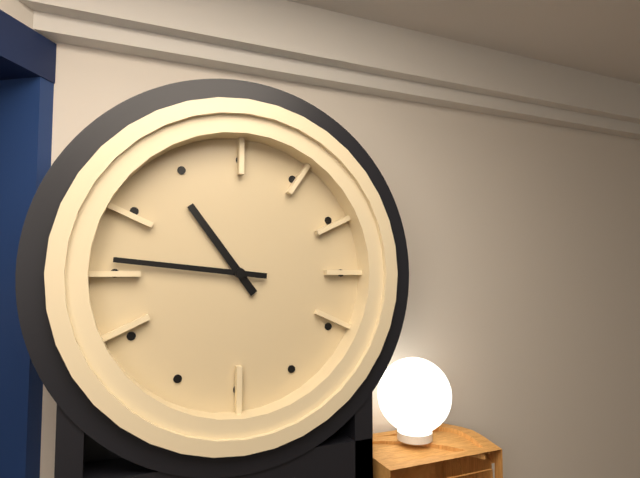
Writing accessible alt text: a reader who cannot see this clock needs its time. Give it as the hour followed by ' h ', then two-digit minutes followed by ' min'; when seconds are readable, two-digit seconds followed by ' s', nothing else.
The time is 10 h 46 min
